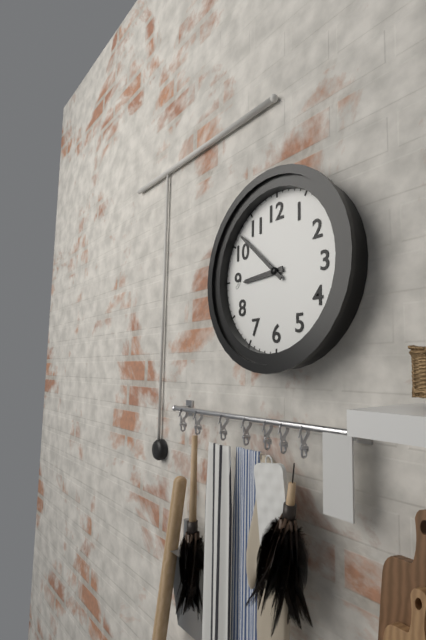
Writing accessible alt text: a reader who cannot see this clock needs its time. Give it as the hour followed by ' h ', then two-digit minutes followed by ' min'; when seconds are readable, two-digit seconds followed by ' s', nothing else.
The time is 8 h 52 min
